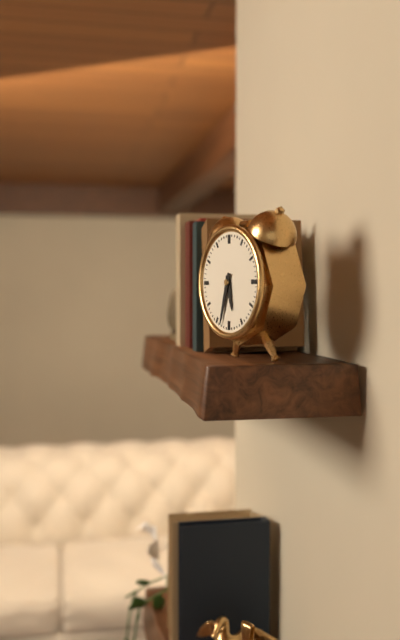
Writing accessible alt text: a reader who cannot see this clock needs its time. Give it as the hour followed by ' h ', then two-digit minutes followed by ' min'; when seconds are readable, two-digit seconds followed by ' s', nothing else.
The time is 5 h 33 min
